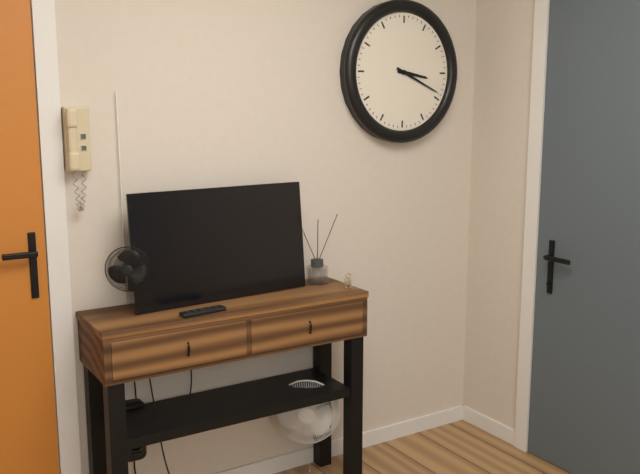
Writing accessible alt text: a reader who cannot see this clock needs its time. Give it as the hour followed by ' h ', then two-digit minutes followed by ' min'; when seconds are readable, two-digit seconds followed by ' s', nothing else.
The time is 3 h 19 min
